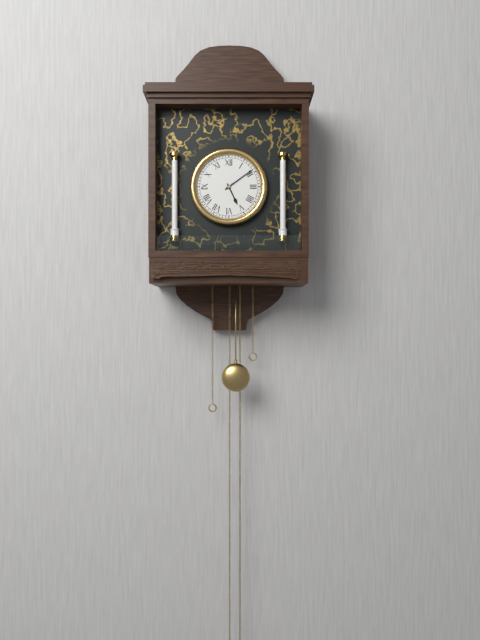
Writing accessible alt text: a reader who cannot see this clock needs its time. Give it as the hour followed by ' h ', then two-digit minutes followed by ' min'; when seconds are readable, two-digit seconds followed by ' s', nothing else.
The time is 5 h 09 min
